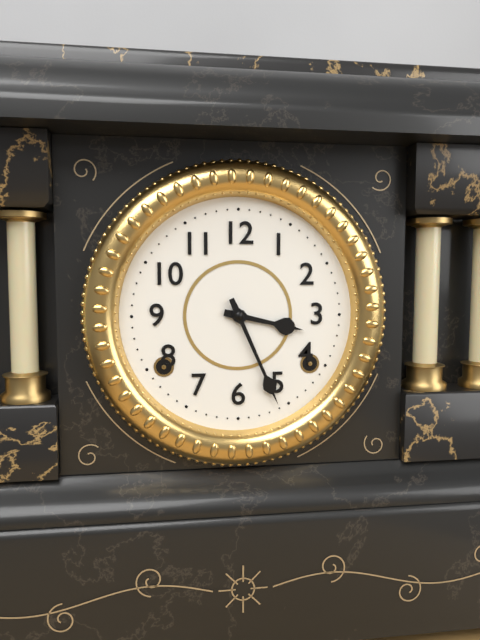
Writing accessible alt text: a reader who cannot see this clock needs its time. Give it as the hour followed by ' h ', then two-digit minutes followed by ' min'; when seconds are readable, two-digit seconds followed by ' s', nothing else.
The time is 3 h 26 min
